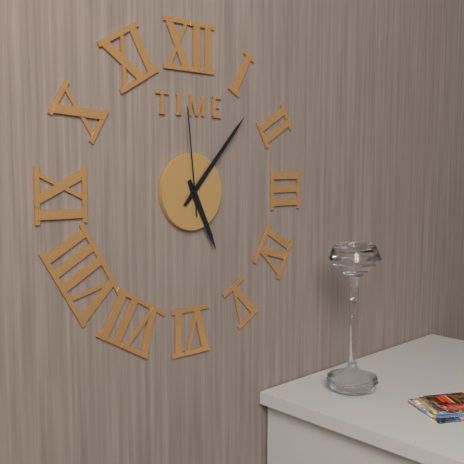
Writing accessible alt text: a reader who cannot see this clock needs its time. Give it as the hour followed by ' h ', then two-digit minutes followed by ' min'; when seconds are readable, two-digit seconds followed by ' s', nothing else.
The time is 5 h 07 min 59 s
